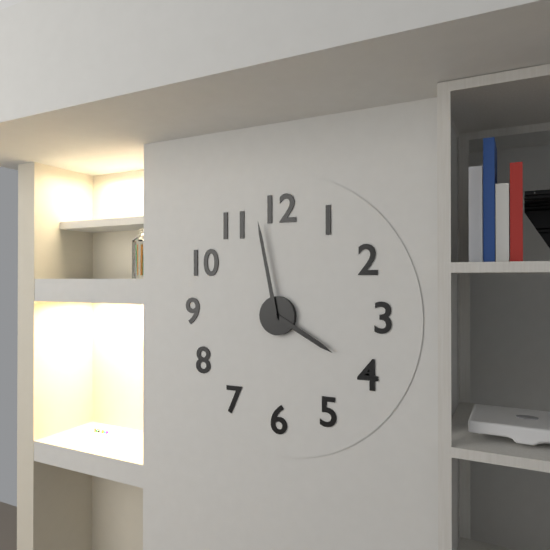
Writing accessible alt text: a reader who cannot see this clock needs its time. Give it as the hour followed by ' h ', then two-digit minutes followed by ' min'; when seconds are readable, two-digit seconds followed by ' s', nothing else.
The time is 3 h 58 min
